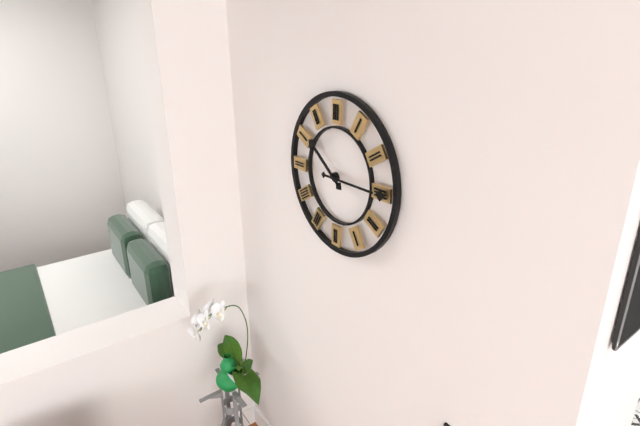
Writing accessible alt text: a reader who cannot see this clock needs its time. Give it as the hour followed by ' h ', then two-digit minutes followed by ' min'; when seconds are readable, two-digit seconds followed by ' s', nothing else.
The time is 10 h 15 min
